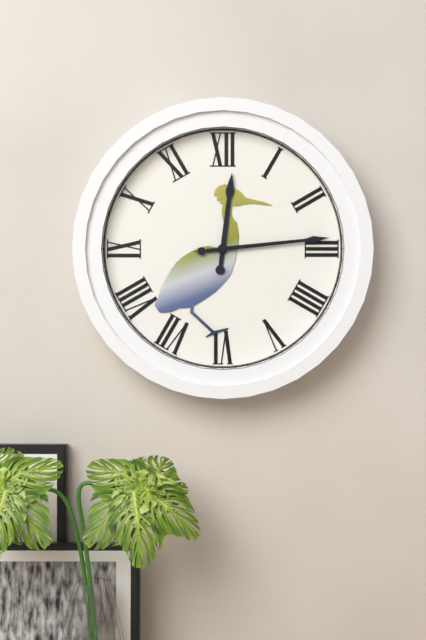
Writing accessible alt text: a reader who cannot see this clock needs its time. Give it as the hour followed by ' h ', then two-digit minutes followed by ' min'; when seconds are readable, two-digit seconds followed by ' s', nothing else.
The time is 12 h 14 min 14 s
